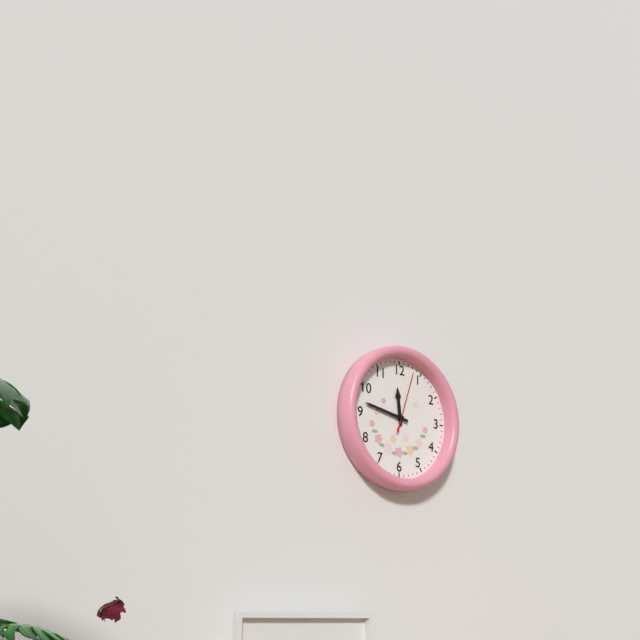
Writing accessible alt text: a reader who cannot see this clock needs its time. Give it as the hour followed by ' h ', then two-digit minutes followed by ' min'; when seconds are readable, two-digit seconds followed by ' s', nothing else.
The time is 11 h 47 min 03 s
